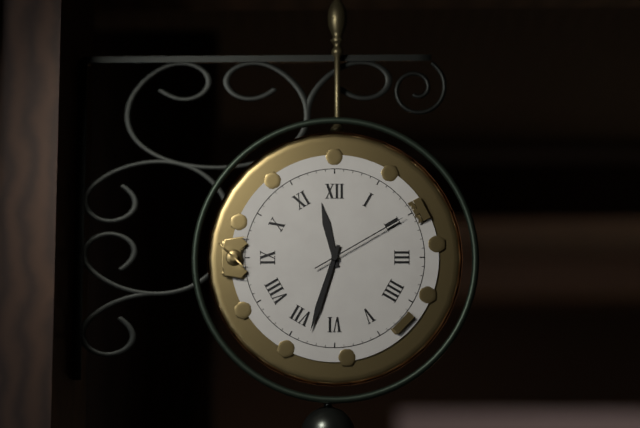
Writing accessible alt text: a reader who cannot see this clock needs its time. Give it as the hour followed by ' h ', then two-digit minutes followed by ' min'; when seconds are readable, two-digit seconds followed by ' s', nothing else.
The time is 11 h 33 min 10 s
